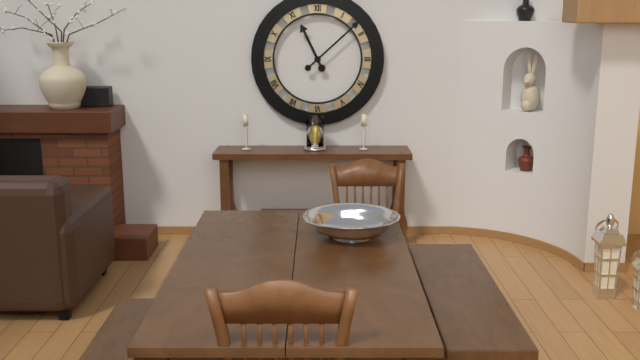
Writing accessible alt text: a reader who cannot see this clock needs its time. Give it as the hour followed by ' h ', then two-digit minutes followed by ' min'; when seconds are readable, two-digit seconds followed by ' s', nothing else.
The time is 11 h 08 min
